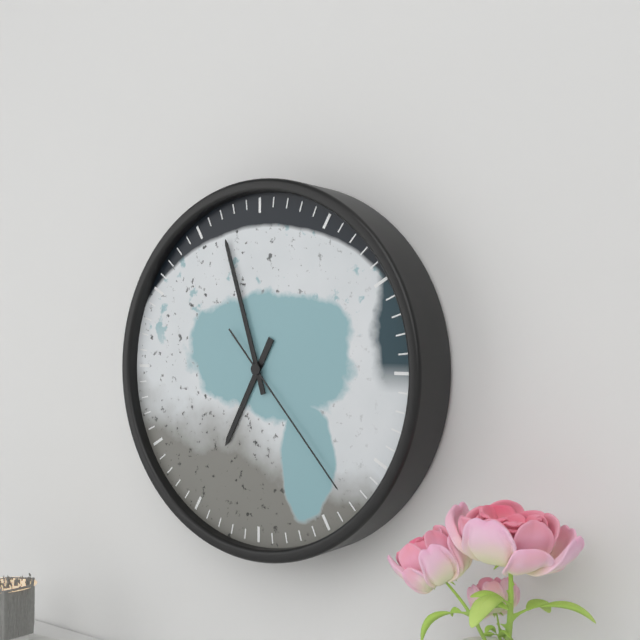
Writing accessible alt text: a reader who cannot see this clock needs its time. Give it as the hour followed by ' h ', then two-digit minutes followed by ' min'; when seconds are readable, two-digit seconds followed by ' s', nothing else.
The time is 6 h 57 min 23 s
